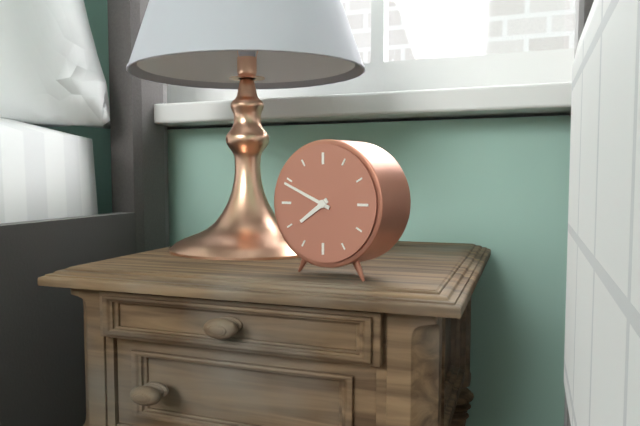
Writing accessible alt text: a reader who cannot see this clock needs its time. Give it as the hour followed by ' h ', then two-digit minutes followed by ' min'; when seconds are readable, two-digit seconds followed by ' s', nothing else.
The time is 7 h 49 min
